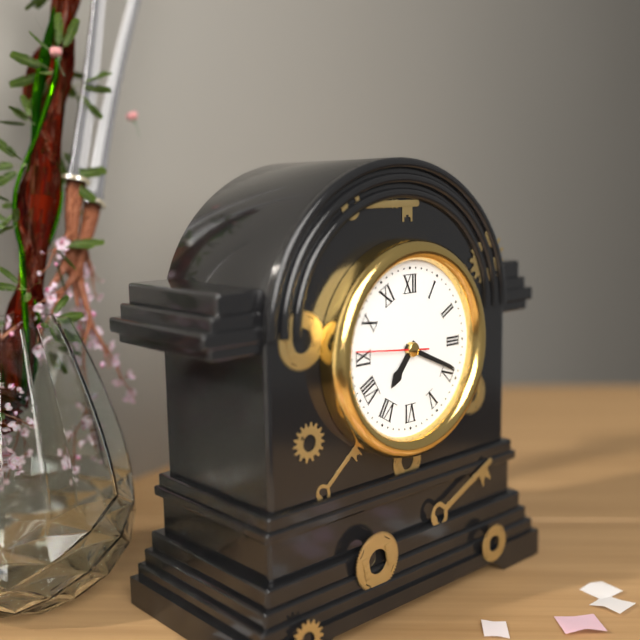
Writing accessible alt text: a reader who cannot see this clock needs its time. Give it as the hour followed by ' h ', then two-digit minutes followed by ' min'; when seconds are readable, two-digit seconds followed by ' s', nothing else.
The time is 7 h 19 min 46 s
